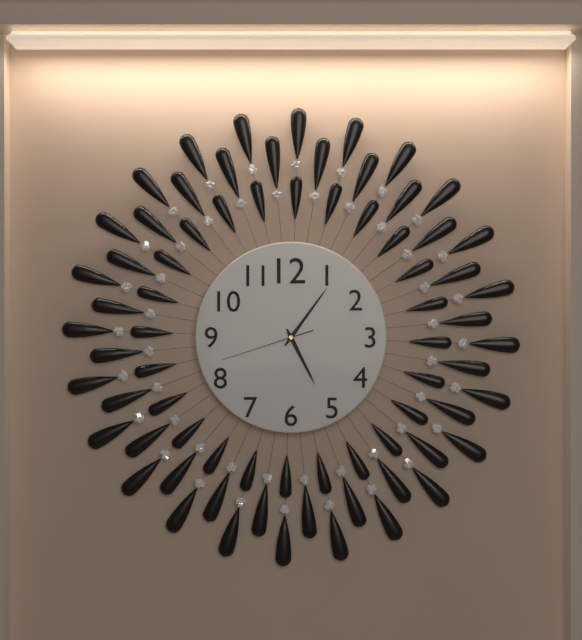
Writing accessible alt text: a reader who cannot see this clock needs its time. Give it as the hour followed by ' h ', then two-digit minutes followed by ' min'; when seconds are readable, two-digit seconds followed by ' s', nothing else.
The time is 5 h 06 min 42 s
